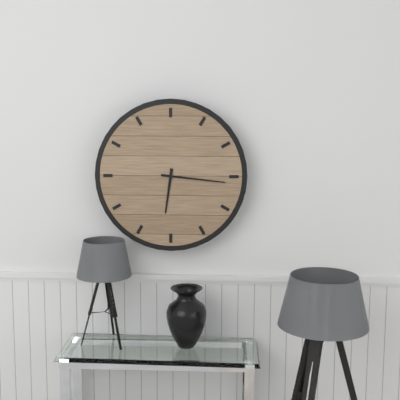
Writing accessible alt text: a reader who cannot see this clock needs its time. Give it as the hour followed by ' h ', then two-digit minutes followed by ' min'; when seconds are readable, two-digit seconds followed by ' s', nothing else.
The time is 6 h 16 min
